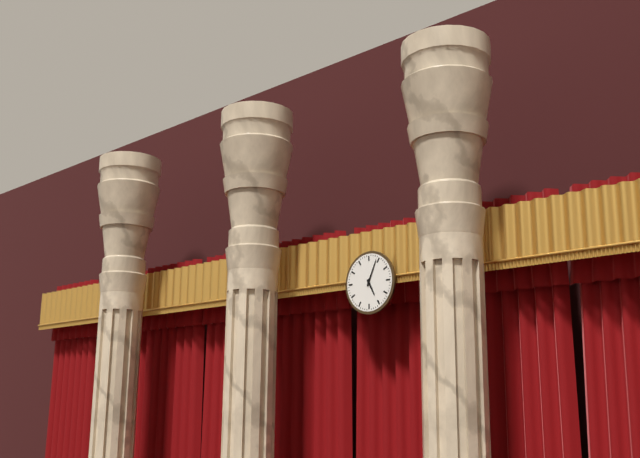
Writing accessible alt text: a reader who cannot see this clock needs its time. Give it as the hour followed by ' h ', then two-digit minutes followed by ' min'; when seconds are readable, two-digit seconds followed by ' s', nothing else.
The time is 5 h 04 min
